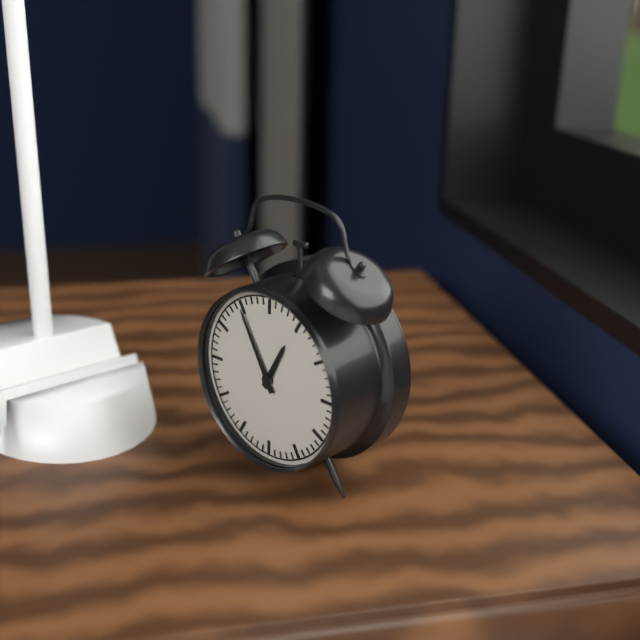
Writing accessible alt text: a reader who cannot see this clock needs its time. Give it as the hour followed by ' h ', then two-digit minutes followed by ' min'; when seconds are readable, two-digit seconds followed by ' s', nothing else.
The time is 12 h 55 min
